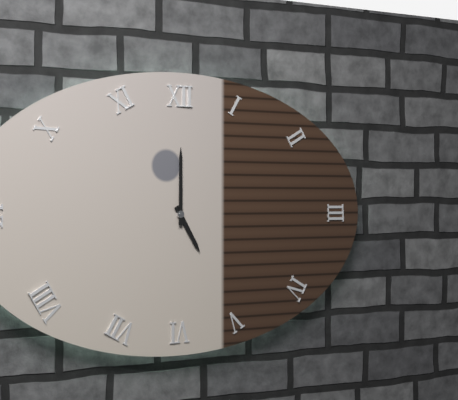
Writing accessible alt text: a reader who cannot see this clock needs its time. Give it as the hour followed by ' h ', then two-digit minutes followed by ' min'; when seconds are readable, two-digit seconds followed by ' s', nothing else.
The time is 5 h 00 min
